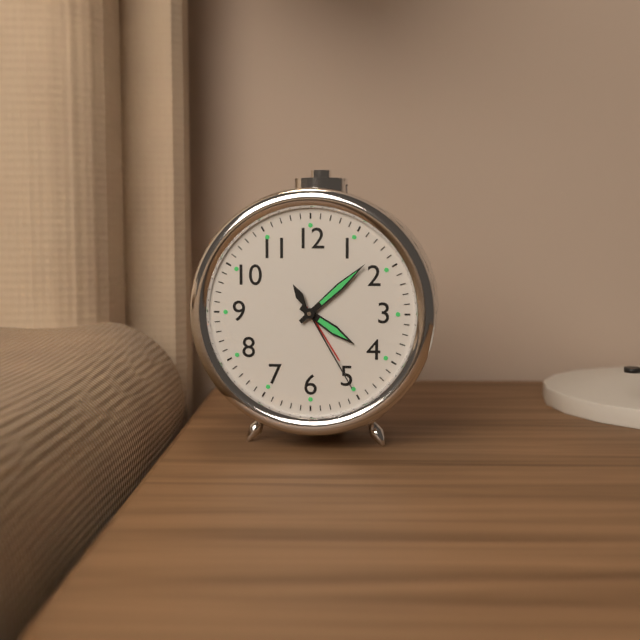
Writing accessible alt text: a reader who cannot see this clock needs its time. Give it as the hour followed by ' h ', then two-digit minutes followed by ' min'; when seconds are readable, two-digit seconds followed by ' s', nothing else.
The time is 4 h 08 min 25 s
